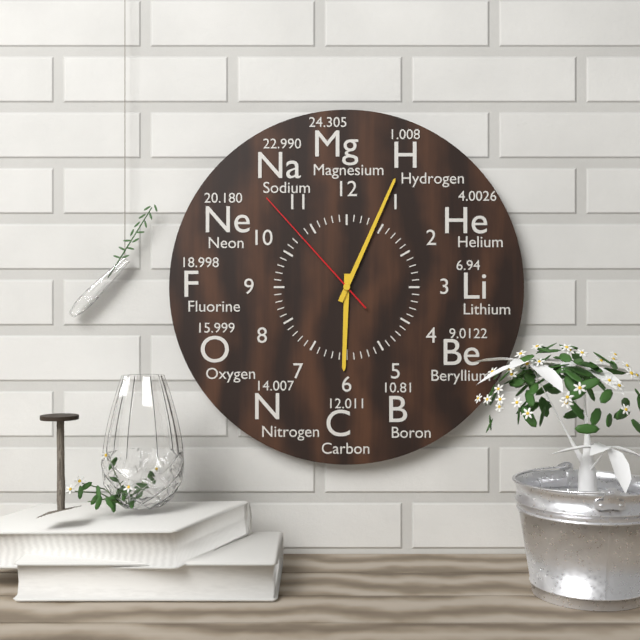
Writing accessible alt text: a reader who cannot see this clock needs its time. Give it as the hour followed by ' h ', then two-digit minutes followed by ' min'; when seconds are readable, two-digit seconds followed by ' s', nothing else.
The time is 6 h 04 min 53 s
